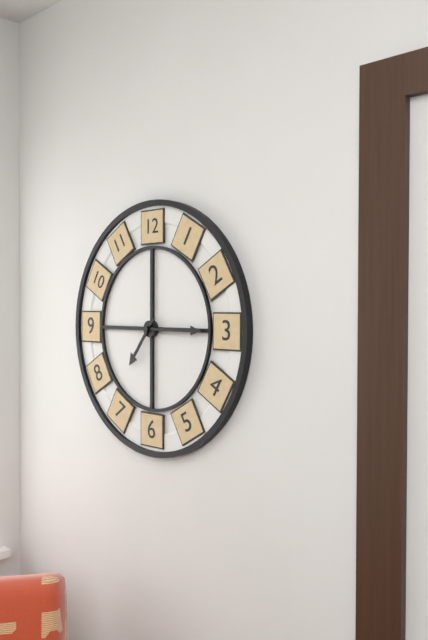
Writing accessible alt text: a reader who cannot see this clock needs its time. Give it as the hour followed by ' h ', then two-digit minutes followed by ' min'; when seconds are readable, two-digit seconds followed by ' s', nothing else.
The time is 7 h 15 min
